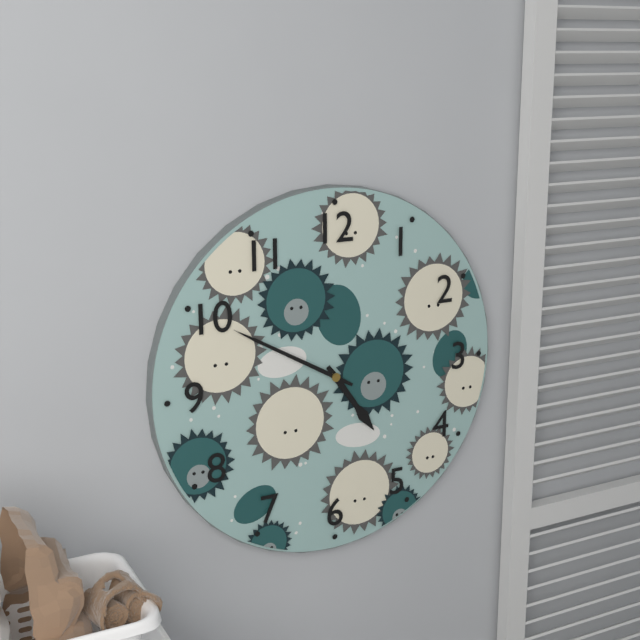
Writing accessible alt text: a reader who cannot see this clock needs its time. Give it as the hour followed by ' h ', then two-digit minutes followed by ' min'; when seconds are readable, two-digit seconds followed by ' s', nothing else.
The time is 4 h 50 min
